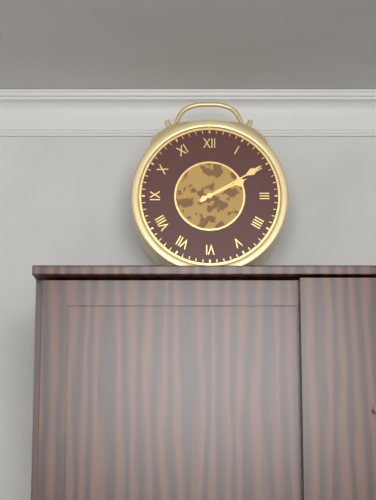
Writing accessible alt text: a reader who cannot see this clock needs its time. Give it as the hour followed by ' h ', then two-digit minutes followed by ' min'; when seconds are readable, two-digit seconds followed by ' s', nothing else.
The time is 2 h 10 min
